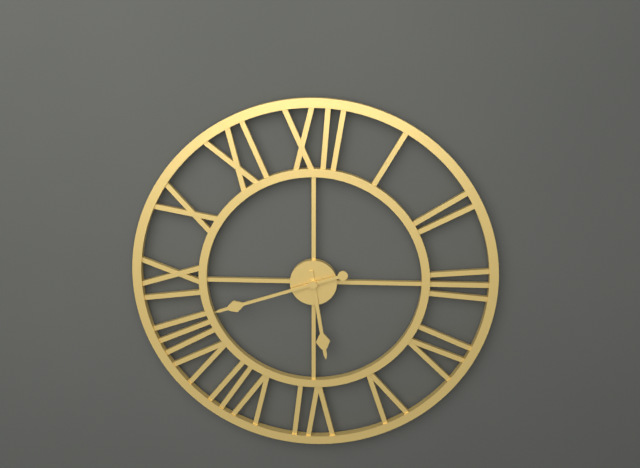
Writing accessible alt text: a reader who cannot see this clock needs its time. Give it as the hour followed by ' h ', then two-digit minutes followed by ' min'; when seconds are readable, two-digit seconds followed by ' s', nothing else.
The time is 5 h 42 min
